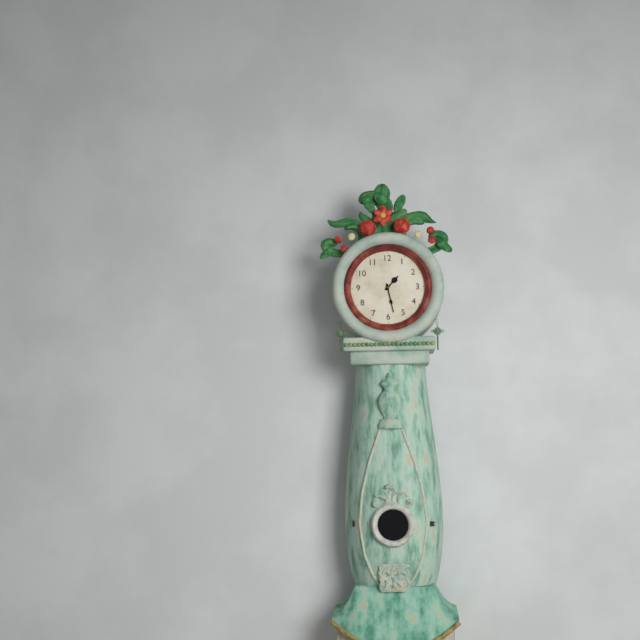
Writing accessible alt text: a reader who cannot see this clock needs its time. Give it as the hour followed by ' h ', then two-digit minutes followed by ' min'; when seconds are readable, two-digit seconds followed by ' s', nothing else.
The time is 1 h 28 min
